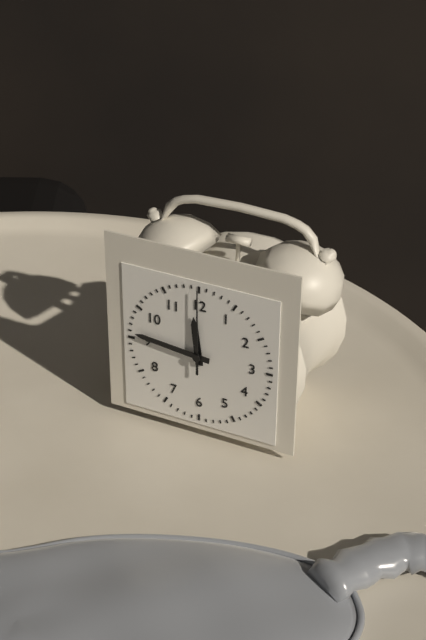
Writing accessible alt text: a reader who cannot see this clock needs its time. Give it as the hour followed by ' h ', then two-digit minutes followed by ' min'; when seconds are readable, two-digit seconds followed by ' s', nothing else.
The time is 11 h 46 min 00 s
